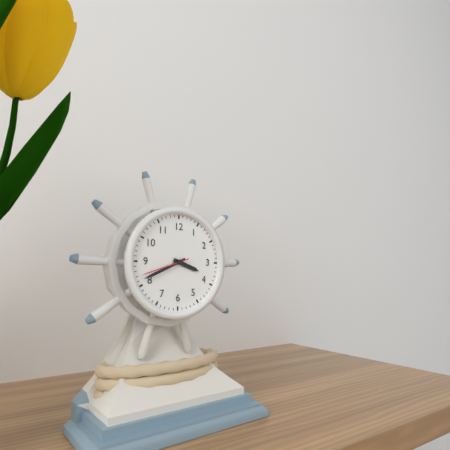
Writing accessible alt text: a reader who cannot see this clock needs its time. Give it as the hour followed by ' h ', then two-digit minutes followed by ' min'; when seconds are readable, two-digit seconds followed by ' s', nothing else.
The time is 3 h 41 min 42 s
